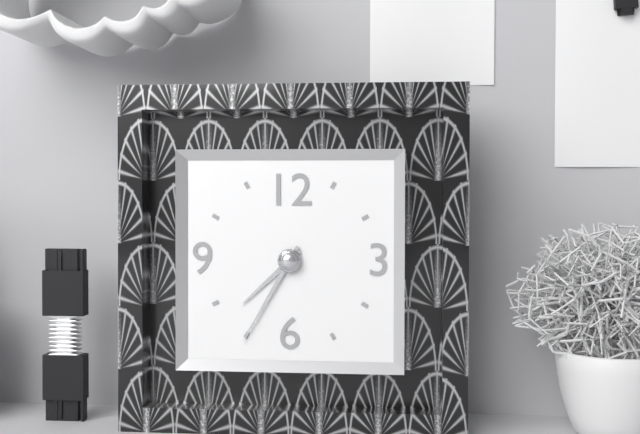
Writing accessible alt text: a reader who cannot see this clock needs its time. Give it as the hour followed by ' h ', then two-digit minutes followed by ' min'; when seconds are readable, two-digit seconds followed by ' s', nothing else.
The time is 7 h 35 min
